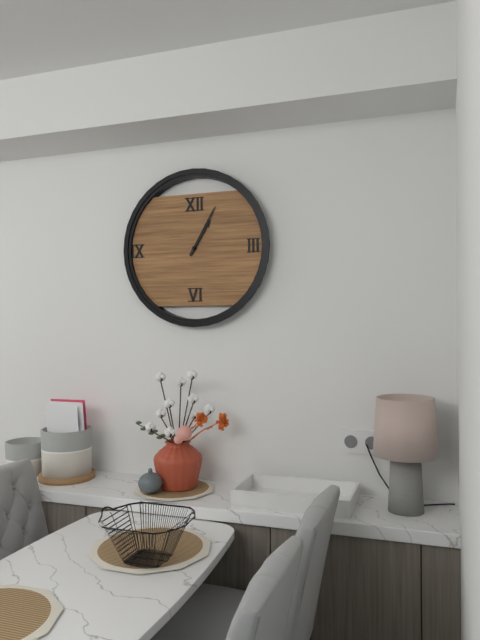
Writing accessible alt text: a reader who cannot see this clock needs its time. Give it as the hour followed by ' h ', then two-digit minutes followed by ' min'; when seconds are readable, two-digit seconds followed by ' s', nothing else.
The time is 1 h 05 min
